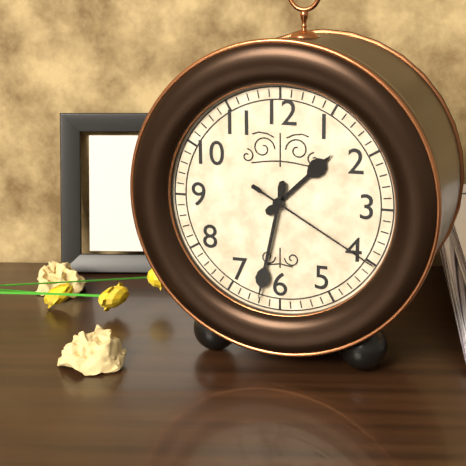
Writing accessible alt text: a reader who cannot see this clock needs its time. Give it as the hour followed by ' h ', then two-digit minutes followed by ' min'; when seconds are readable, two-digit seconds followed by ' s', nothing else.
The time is 1 h 32 min 20 s
